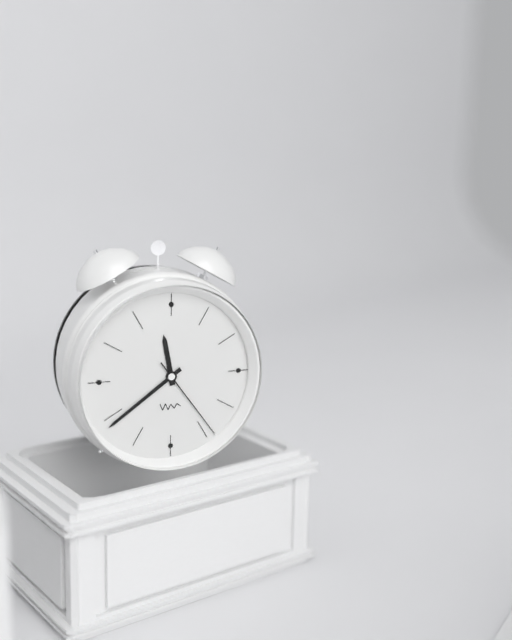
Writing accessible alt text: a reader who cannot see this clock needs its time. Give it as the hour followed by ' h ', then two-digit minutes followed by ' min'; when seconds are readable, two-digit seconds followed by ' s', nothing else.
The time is 11 h 39 min 24 s
